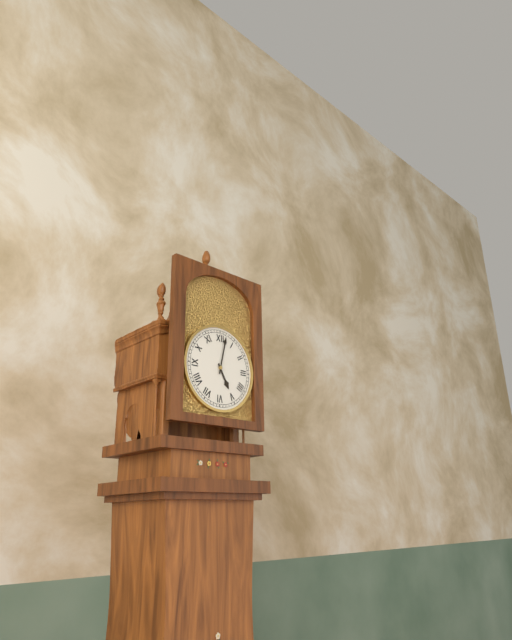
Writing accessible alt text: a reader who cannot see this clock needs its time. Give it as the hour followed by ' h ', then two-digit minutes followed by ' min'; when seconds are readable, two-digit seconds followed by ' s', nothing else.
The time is 5 h 02 min
